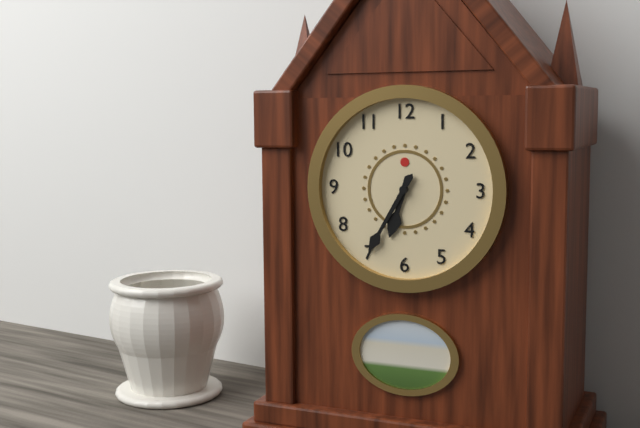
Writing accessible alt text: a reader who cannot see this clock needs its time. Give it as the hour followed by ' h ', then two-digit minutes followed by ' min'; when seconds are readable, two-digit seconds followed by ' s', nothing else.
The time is 6 h 35 min
